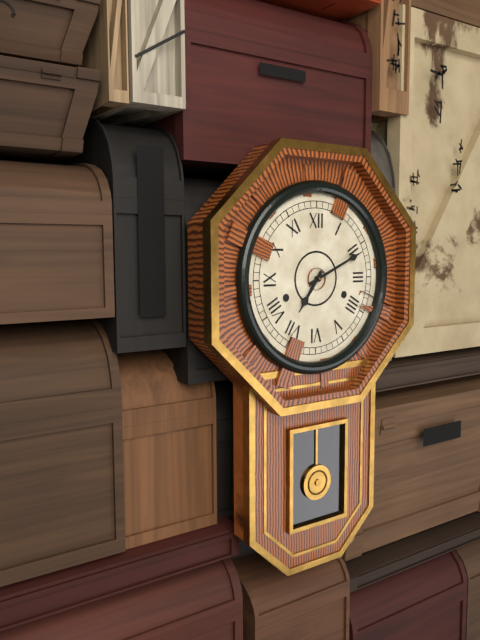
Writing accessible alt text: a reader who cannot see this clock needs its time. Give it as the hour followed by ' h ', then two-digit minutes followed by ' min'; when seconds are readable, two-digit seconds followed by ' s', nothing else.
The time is 7 h 11 min
